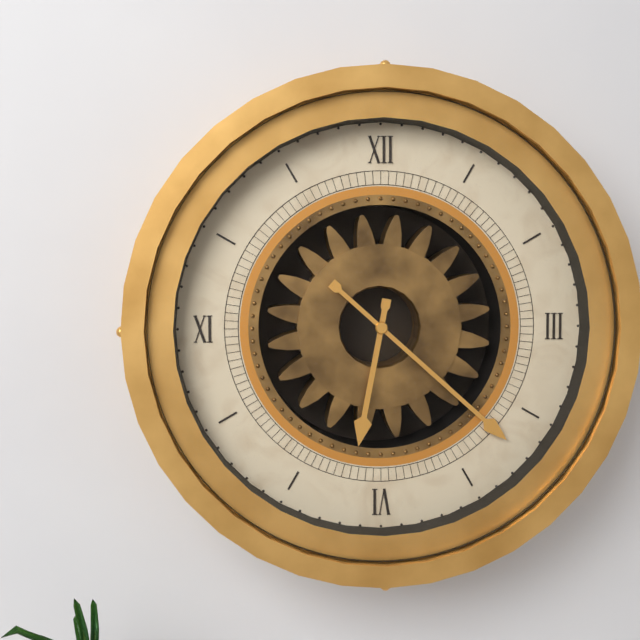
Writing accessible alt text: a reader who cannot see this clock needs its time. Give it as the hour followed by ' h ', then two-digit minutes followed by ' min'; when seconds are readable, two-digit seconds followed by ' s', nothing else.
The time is 6 h 22 min
